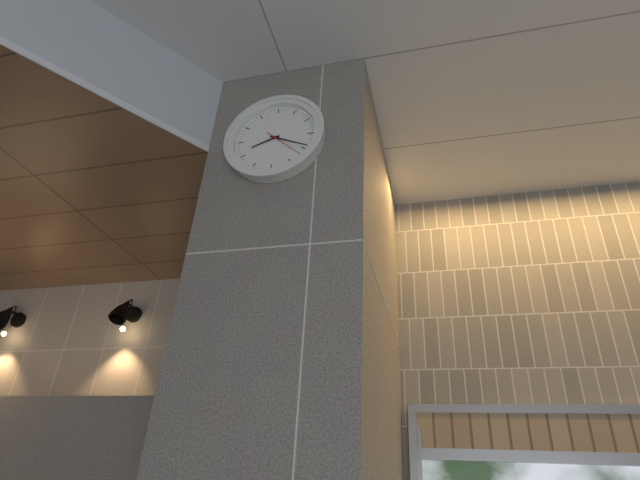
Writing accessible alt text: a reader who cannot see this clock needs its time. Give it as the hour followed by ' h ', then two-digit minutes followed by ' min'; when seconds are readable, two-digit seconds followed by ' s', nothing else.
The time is 8 h 19 min
